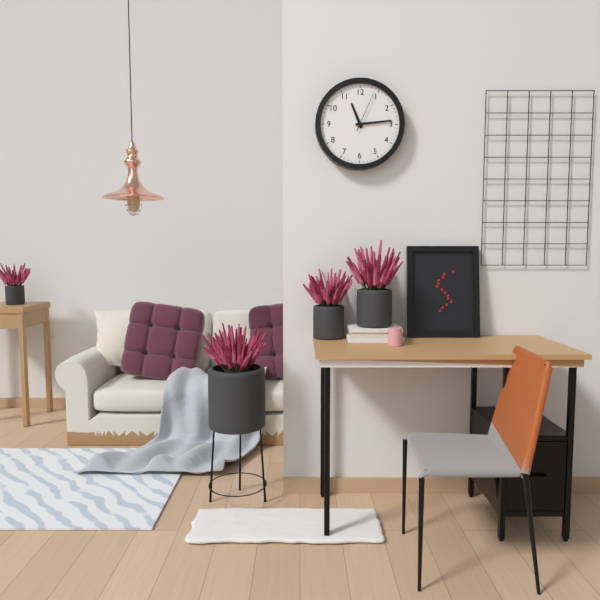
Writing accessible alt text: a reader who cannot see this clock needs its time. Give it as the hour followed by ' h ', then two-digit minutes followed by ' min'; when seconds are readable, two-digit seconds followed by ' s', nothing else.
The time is 11 h 14 min
